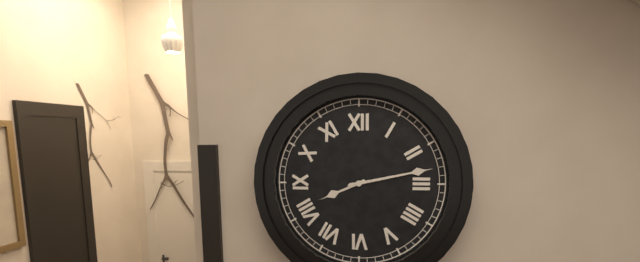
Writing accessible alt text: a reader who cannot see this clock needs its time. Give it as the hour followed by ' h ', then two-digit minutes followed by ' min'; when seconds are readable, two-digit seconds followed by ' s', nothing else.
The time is 8 h 13 min
